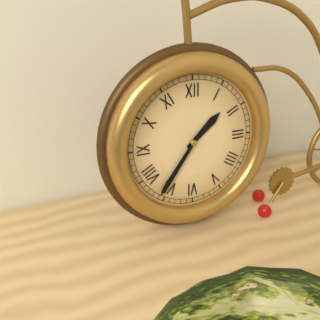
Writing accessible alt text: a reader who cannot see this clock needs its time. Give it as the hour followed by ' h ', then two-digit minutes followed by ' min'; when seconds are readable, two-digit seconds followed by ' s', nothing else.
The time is 1 h 36 min
